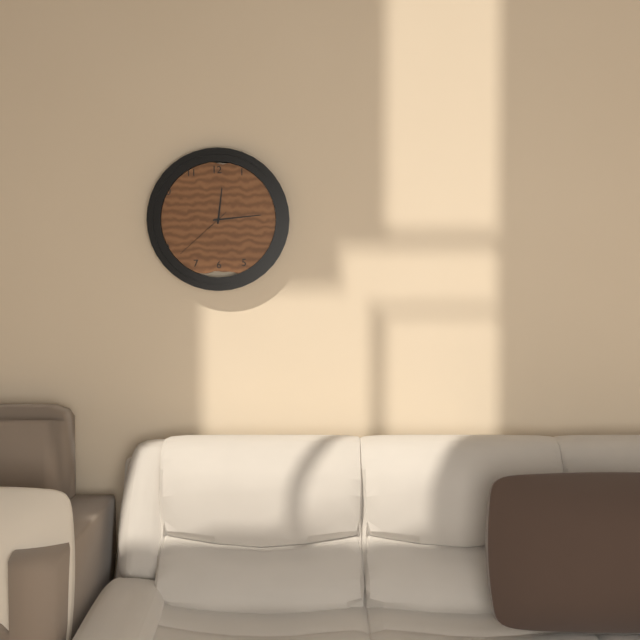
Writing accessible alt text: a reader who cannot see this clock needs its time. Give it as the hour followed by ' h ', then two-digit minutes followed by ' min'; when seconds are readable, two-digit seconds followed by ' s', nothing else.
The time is 12 h 14 min 38 s
